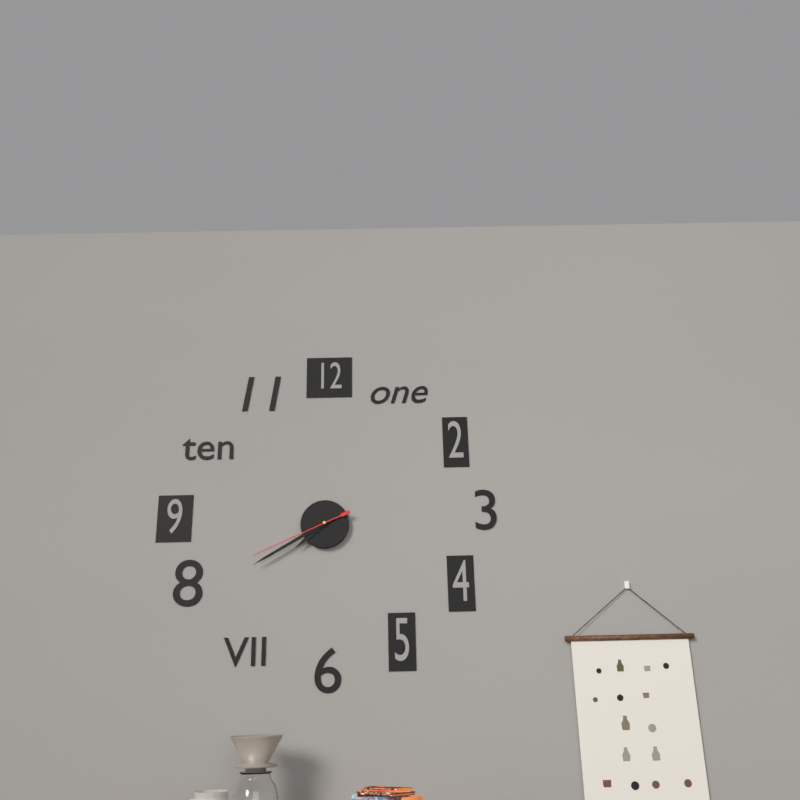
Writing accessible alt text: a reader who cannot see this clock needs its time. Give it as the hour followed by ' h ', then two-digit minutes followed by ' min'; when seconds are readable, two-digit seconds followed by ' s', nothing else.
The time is 7 h 40 min 41 s
